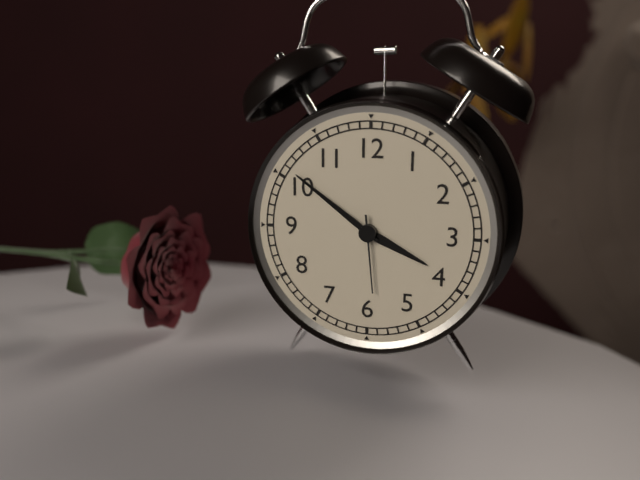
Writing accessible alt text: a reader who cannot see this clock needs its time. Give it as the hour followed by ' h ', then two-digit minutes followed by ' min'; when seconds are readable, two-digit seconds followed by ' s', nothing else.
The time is 3 h 51 min 29 s
